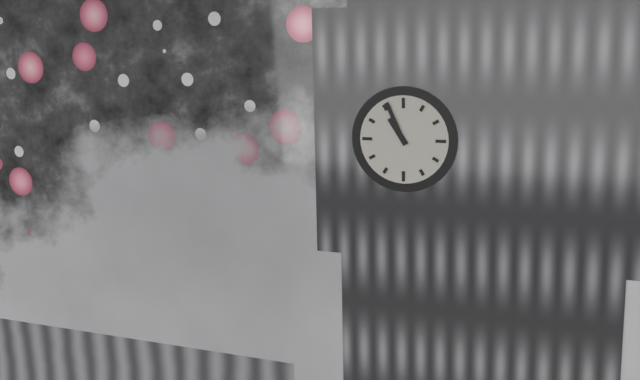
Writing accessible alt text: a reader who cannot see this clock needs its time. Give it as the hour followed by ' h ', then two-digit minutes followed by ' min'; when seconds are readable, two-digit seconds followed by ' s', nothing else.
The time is 10 h 56 min
